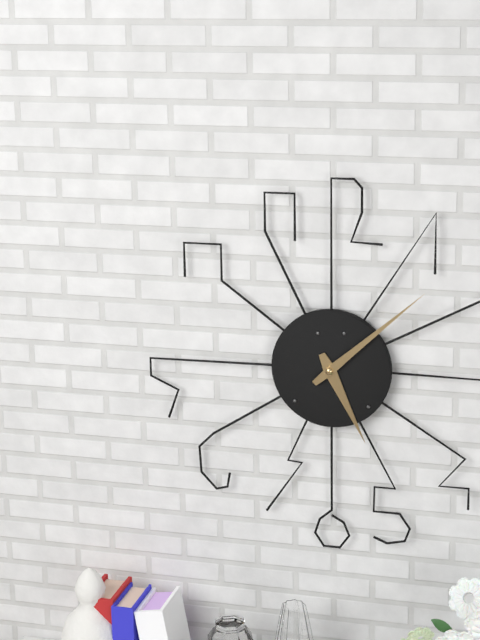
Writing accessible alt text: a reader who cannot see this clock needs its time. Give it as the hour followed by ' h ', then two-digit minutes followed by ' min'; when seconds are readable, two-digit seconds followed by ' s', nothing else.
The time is 5 h 08 min
